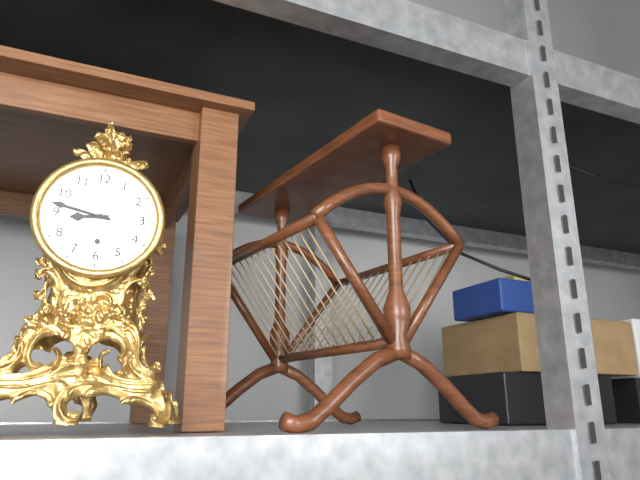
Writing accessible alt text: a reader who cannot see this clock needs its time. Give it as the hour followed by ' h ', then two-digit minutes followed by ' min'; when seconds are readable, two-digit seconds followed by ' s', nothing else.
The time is 8 h 47 min
